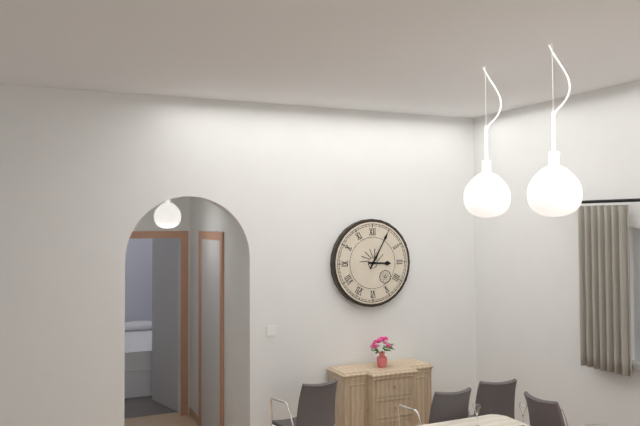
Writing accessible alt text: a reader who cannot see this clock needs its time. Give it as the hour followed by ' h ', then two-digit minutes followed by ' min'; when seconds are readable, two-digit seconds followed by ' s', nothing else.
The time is 3 h 05 min
